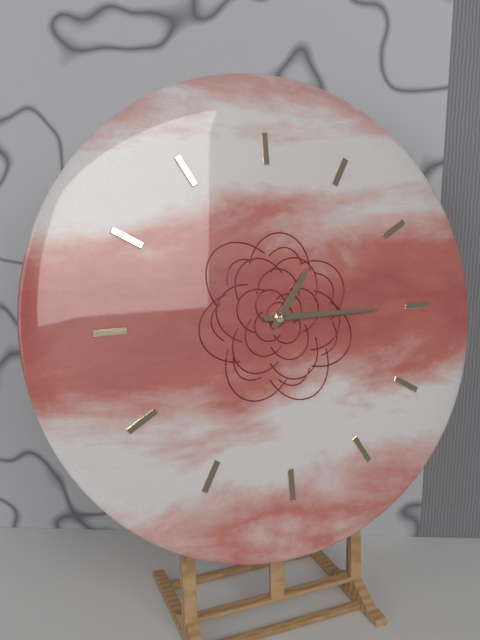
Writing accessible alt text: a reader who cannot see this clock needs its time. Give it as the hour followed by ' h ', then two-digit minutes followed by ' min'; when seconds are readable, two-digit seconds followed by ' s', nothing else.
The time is 1 h 15 min
